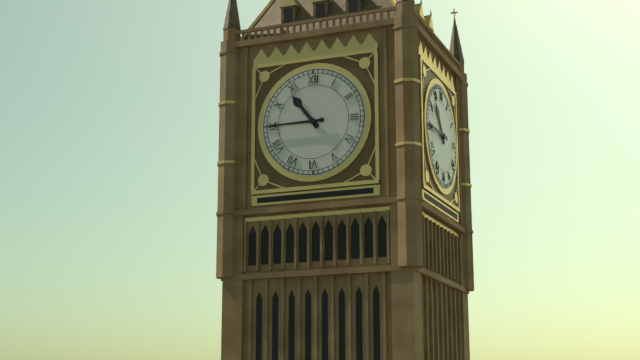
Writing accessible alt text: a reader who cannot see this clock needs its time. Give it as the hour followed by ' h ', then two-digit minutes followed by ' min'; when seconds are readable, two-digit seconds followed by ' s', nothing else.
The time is 10 h 45 min
